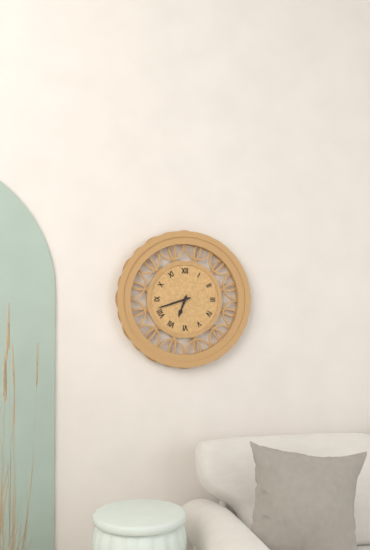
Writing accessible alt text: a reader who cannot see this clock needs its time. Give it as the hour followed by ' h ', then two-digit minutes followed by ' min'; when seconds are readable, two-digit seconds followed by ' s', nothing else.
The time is 6 h 42 min
